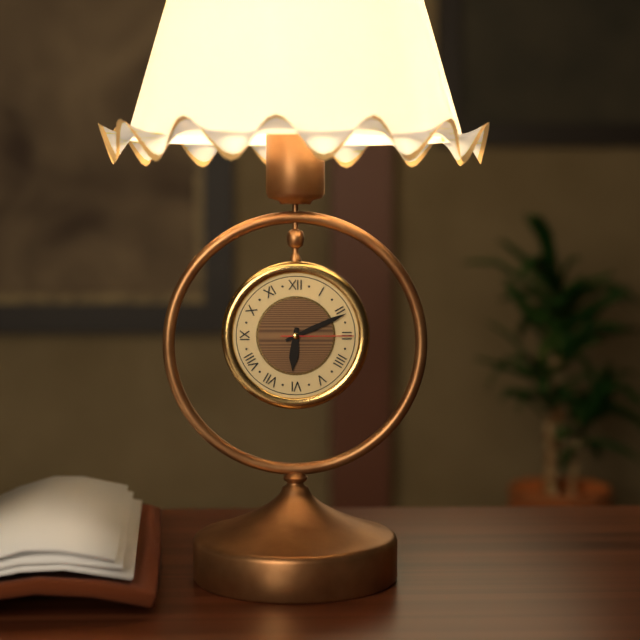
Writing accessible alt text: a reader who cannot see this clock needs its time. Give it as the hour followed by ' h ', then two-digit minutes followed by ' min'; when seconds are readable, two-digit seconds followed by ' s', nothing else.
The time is 6 h 11 min 15 s
